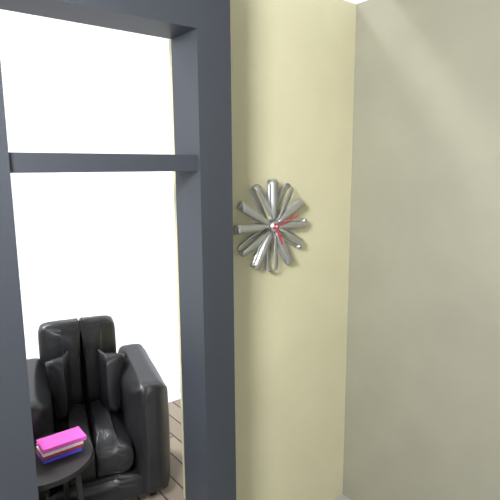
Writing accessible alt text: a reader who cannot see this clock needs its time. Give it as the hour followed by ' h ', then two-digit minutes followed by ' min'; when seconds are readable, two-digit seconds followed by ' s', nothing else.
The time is 5 h 12 min
